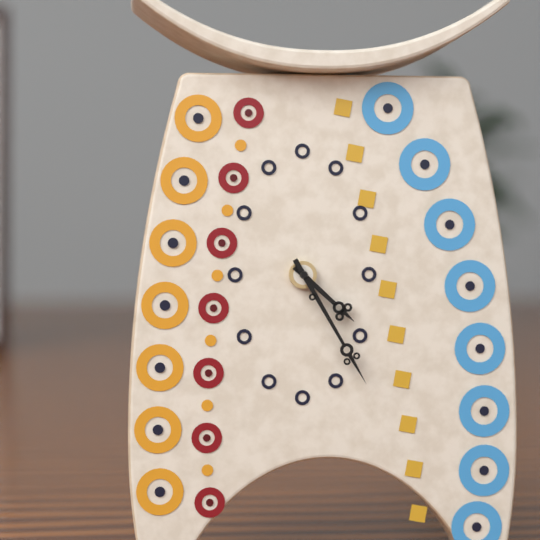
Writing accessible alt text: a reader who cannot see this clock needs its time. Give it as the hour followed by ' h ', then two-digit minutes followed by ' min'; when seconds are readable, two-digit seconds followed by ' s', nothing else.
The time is 4 h 25 min
